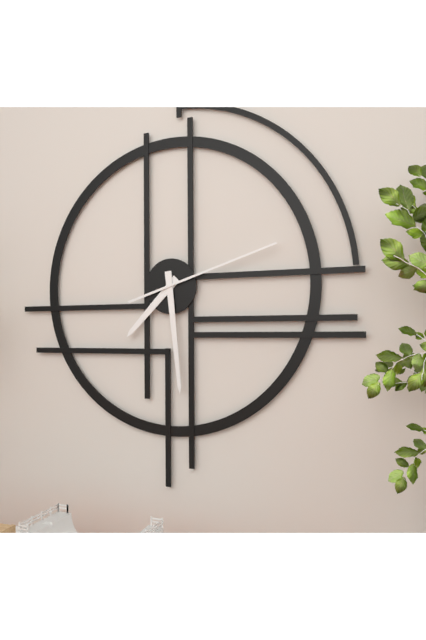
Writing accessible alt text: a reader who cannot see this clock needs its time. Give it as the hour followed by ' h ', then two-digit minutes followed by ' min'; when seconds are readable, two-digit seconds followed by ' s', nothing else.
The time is 7 h 29 min 12 s
